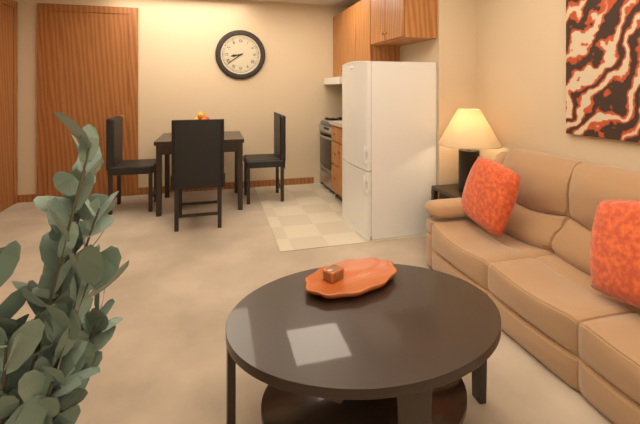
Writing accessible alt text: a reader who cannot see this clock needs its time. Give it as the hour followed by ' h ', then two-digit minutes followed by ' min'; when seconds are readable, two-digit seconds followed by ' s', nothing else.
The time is 8 h 39 min
